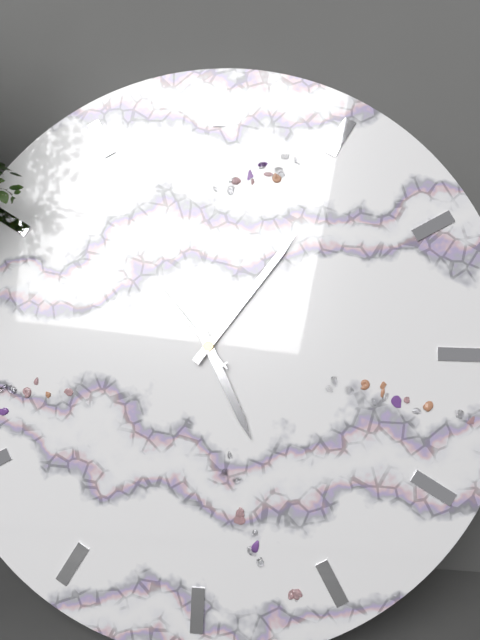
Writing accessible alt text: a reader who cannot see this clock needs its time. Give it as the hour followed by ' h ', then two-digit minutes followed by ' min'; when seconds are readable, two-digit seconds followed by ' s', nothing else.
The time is 5 h 06 min 53 s
